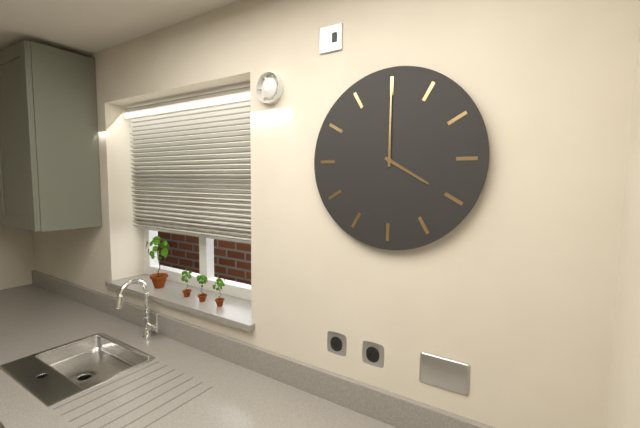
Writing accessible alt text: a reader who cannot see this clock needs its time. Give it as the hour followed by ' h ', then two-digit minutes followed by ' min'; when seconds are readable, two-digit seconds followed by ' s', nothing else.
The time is 4 h 00 min
